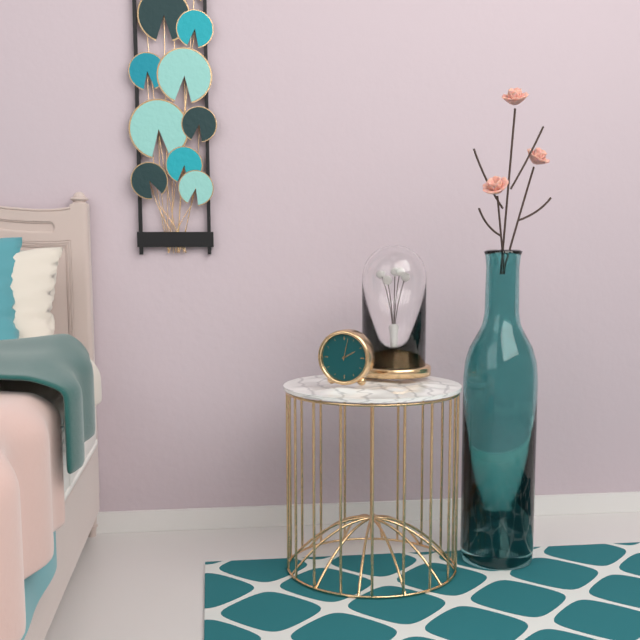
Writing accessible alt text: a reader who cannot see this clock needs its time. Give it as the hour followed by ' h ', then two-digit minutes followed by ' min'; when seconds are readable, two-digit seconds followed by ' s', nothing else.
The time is 2 h 02 min
